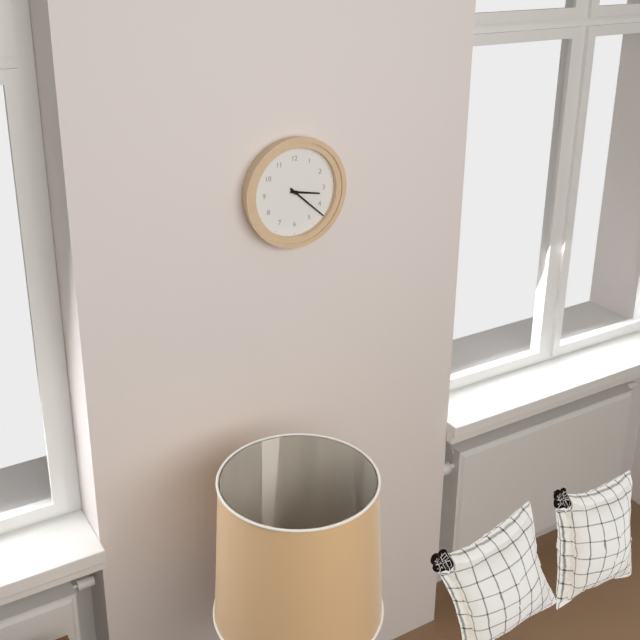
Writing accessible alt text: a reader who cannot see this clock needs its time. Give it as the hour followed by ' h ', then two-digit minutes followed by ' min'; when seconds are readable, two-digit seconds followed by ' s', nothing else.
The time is 3 h 22 min
